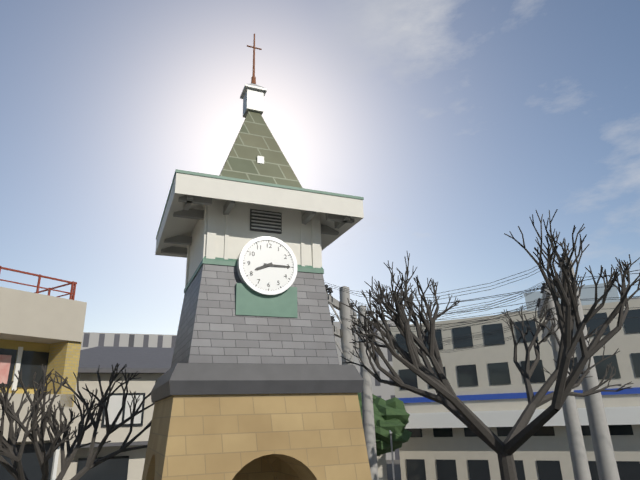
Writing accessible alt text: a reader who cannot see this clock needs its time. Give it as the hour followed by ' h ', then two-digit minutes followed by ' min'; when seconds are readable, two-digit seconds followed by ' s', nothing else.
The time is 8 h 15 min
